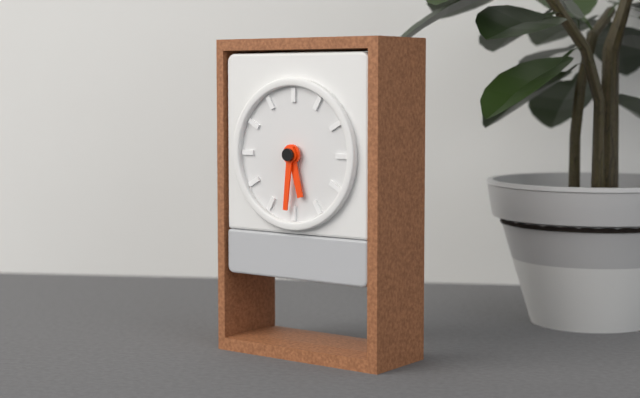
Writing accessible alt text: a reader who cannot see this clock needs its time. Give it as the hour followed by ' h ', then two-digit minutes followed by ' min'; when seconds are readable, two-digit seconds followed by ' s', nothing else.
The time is 5 h 31 min
